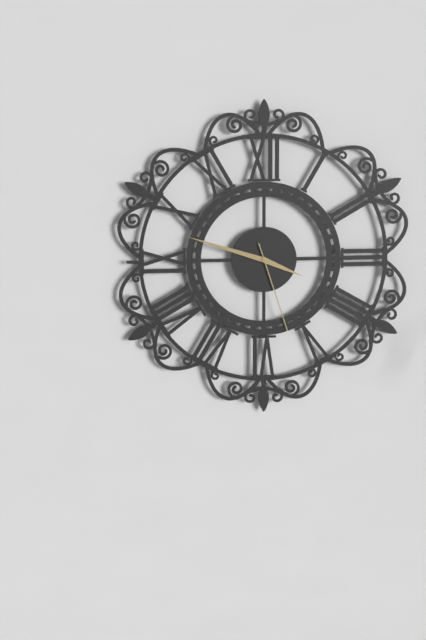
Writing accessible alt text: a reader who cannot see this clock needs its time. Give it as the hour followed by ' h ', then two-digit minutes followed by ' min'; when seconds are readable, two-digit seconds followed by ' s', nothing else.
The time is 3 h 48 min 27 s
